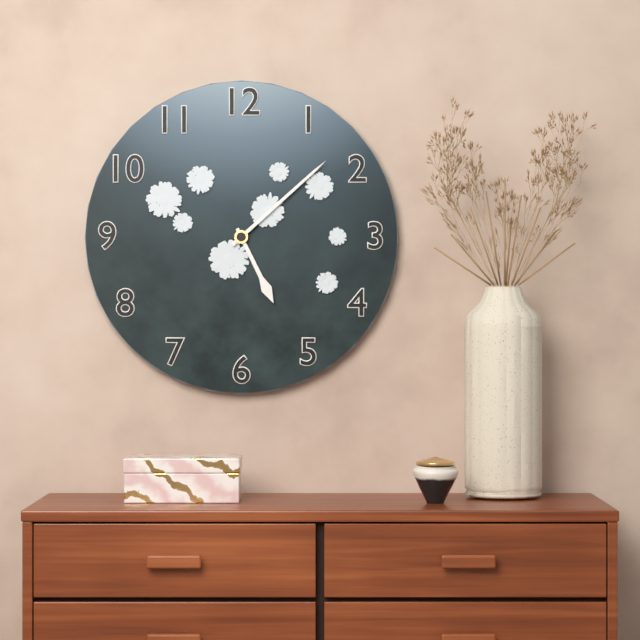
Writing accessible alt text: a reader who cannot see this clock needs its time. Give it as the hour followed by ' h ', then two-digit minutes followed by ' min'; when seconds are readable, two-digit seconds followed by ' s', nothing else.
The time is 5 h 08 min
